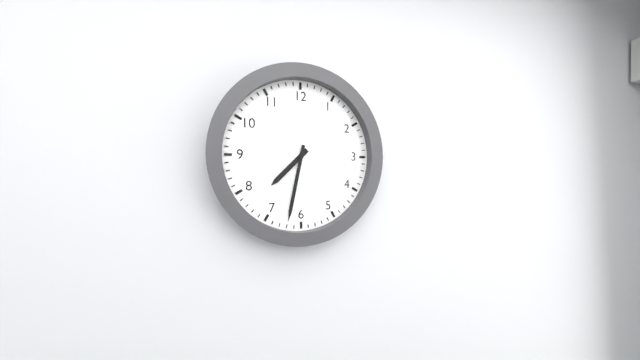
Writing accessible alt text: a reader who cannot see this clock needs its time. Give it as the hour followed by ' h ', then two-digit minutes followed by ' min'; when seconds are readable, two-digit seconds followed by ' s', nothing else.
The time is 7 h 32 min
